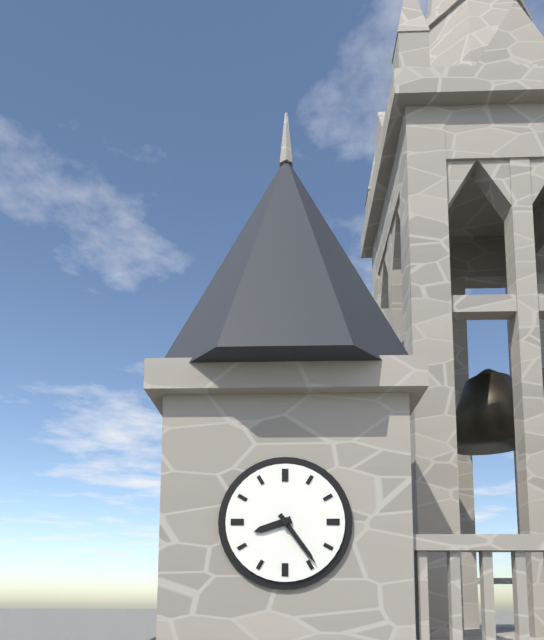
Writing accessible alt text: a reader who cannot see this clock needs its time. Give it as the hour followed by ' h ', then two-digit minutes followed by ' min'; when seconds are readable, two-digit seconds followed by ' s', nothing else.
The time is 8 h 24 min
